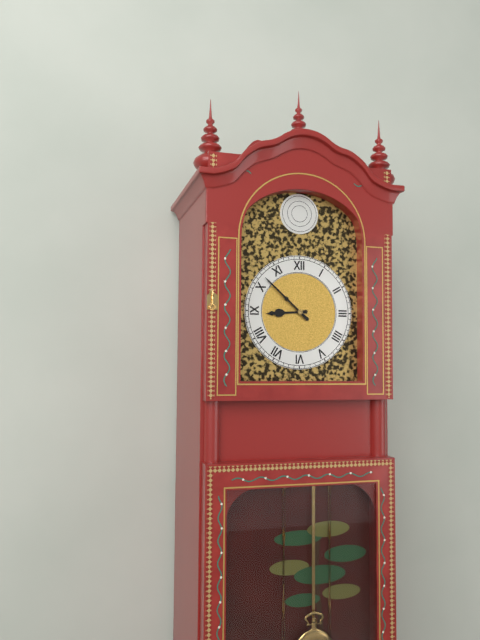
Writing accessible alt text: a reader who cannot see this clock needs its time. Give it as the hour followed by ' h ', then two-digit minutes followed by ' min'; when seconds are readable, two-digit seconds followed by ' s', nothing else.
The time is 8 h 52 min
